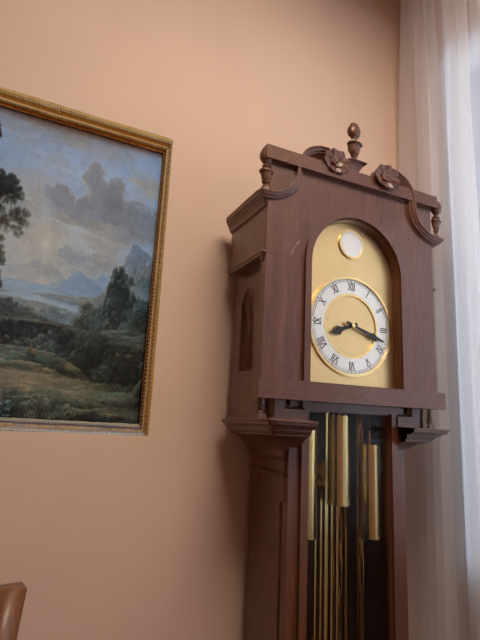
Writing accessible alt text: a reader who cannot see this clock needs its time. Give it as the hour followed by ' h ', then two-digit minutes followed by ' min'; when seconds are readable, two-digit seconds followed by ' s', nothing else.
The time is 8 h 18 min
